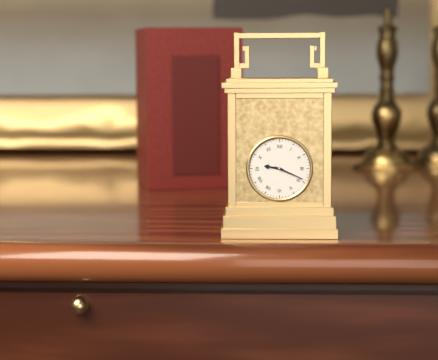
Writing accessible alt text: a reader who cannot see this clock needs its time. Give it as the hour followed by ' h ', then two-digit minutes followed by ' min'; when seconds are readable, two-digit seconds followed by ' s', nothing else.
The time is 9 h 19 min
